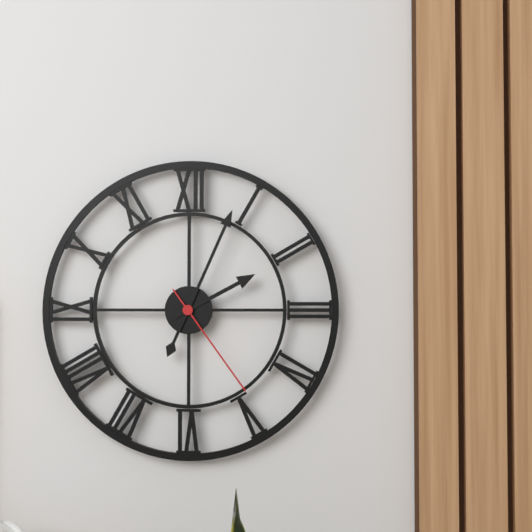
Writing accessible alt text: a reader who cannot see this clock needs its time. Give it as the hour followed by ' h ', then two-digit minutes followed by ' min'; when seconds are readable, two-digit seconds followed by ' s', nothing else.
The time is 2 h 04 min 24 s
